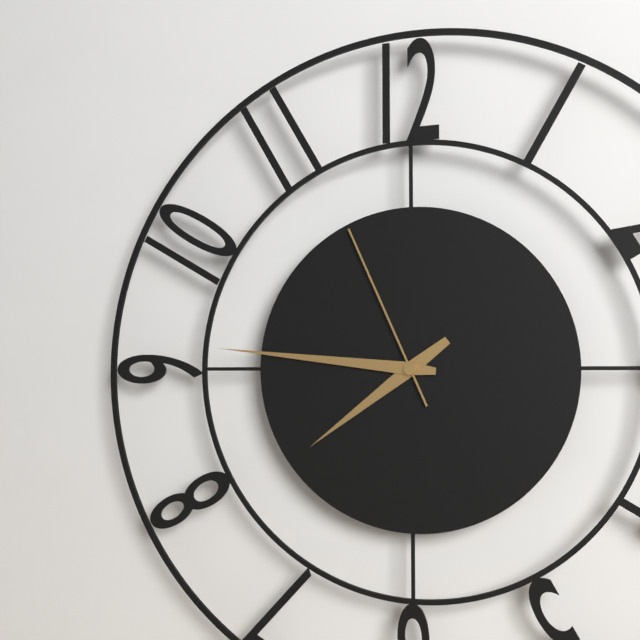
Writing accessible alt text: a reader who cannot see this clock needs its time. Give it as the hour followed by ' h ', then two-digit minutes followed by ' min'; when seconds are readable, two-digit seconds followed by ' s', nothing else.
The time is 7 h 46 min 56 s
